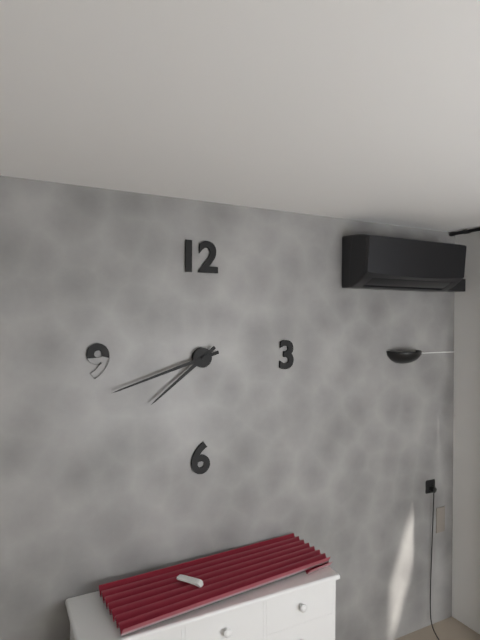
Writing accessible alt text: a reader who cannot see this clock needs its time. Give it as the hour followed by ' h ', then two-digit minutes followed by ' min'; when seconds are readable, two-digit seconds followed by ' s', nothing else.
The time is 7 h 42 min
